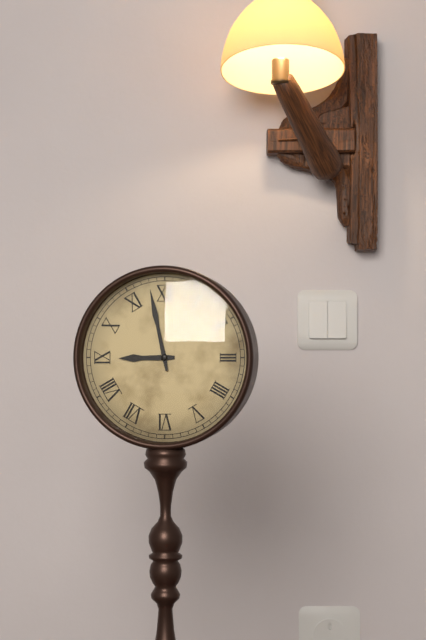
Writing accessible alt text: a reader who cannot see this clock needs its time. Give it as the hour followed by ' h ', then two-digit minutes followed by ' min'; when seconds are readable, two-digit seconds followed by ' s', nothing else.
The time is 8 h 58 min
